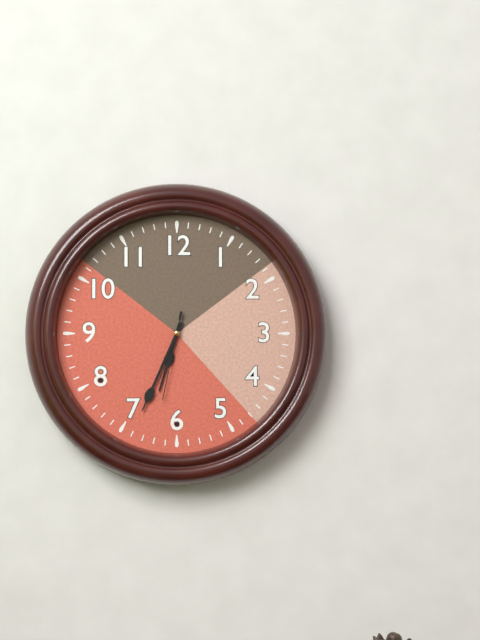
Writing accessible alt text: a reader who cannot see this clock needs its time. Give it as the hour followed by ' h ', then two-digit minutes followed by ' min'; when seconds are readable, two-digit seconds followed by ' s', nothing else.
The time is 6 h 34 min 32 s
